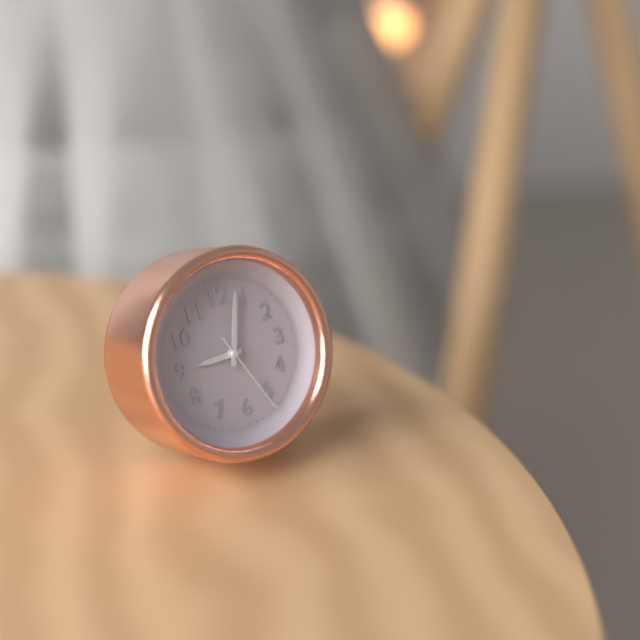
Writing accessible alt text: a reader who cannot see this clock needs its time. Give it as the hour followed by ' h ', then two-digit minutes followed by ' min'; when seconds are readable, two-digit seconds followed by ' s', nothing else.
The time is 9 h 03 min 26 s
